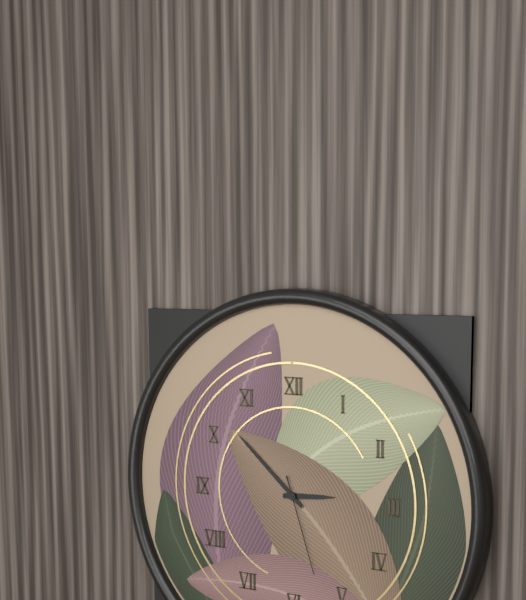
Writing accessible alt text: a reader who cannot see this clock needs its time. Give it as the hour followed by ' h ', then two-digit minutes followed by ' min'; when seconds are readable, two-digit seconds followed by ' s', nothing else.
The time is 2 h 52 min 27 s
